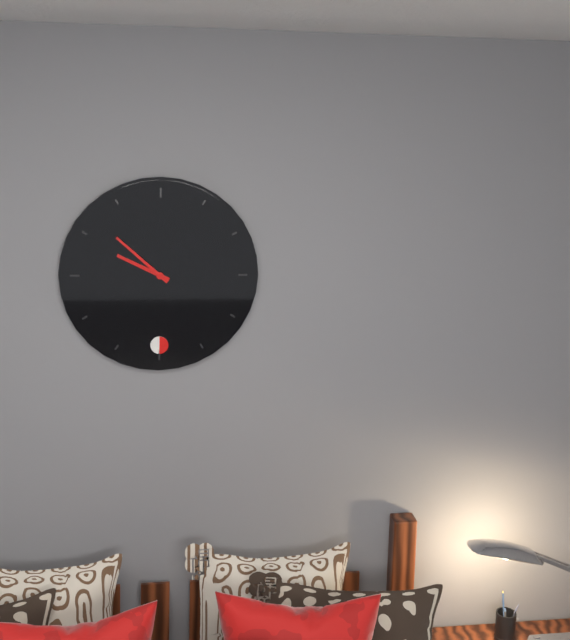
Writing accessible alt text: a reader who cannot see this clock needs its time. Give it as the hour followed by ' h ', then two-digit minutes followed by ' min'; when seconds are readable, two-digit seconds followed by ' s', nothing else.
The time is 9 h 52 min
